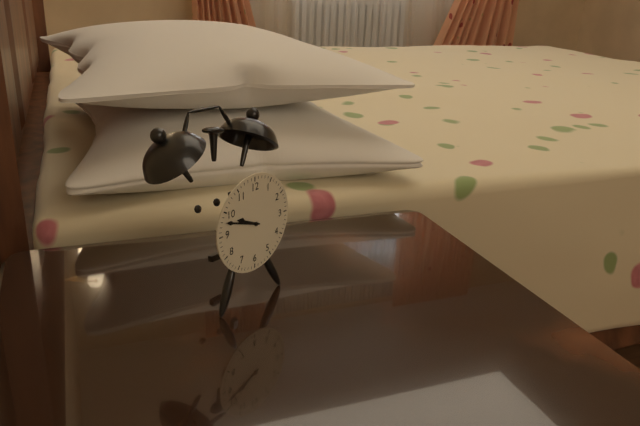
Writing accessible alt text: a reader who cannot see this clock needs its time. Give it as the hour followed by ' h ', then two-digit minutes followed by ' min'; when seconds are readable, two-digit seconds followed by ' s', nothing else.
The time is 9 h 48 min
